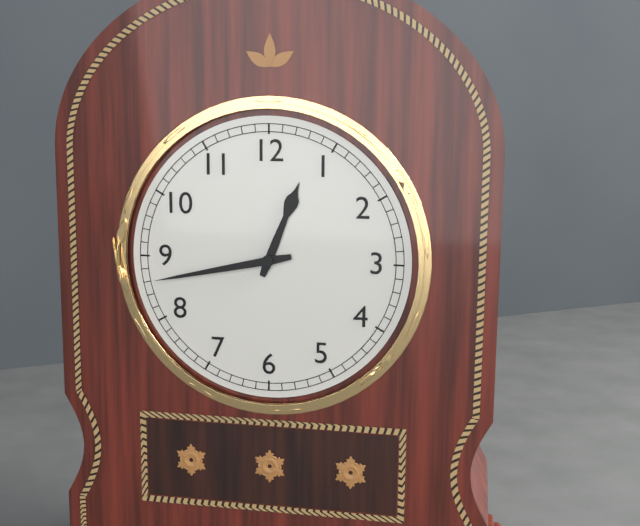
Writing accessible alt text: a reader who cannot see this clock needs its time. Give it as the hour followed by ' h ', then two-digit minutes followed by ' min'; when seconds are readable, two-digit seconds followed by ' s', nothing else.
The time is 12 h 43 min
